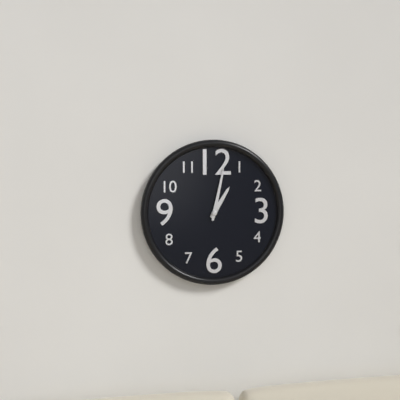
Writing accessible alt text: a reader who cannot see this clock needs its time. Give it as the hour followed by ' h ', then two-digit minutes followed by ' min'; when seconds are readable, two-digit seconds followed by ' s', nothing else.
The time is 1 h 02 min
